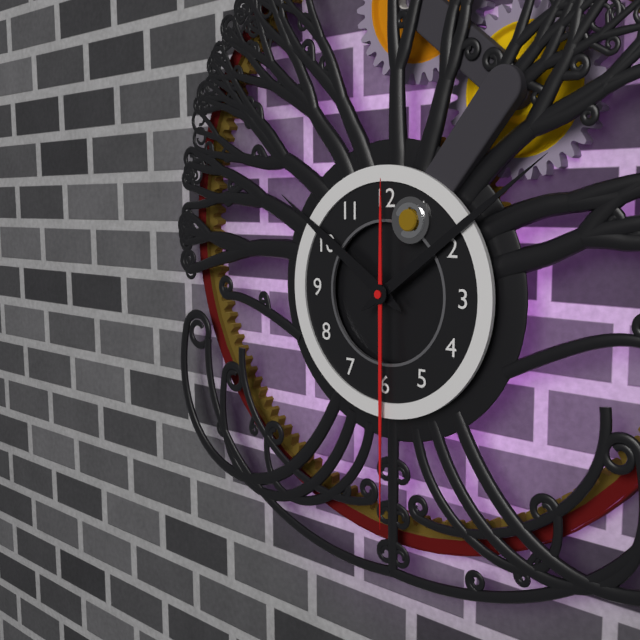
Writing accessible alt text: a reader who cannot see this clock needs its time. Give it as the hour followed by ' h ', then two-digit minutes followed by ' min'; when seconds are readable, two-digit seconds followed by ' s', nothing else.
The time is 10 h 09 min 30 s
